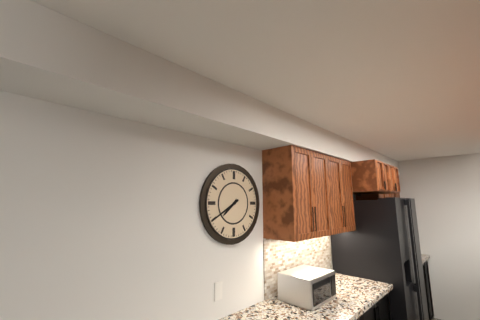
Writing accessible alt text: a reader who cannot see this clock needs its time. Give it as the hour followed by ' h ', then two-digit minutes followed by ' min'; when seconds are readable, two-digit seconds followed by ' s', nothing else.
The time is 7 h 40 min
